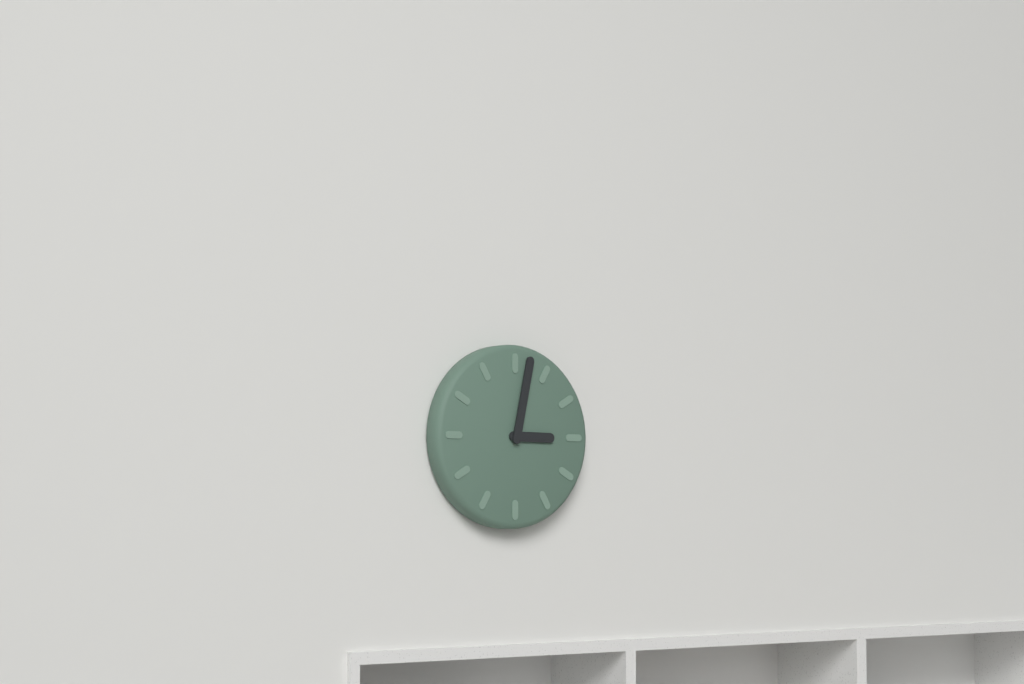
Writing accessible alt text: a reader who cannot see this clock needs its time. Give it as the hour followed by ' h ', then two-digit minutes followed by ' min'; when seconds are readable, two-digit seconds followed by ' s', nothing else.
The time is 3 h 02 min
